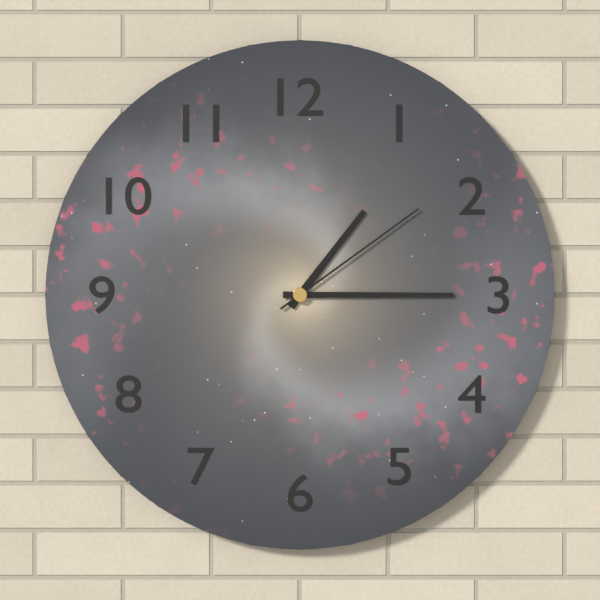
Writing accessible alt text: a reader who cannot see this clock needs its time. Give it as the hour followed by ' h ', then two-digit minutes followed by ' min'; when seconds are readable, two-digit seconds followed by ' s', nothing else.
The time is 1 h 15 min 09 s
